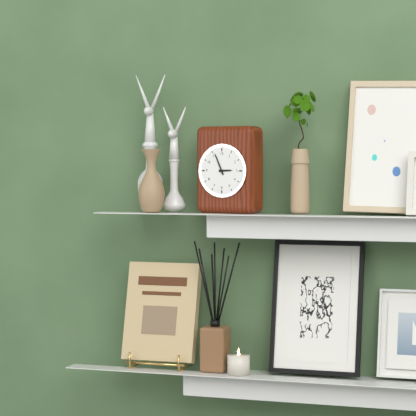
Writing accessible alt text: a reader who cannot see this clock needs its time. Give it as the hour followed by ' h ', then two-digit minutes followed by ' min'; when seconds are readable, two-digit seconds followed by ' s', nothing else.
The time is 2 h 56 min
